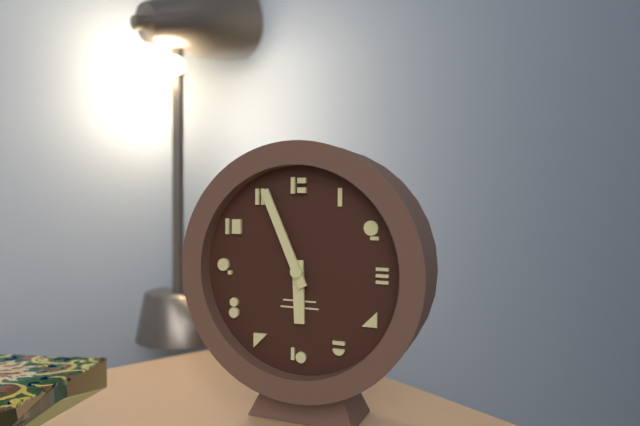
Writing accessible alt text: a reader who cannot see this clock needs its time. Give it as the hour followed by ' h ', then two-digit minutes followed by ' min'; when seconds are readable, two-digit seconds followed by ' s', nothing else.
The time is 5 h 56 min
